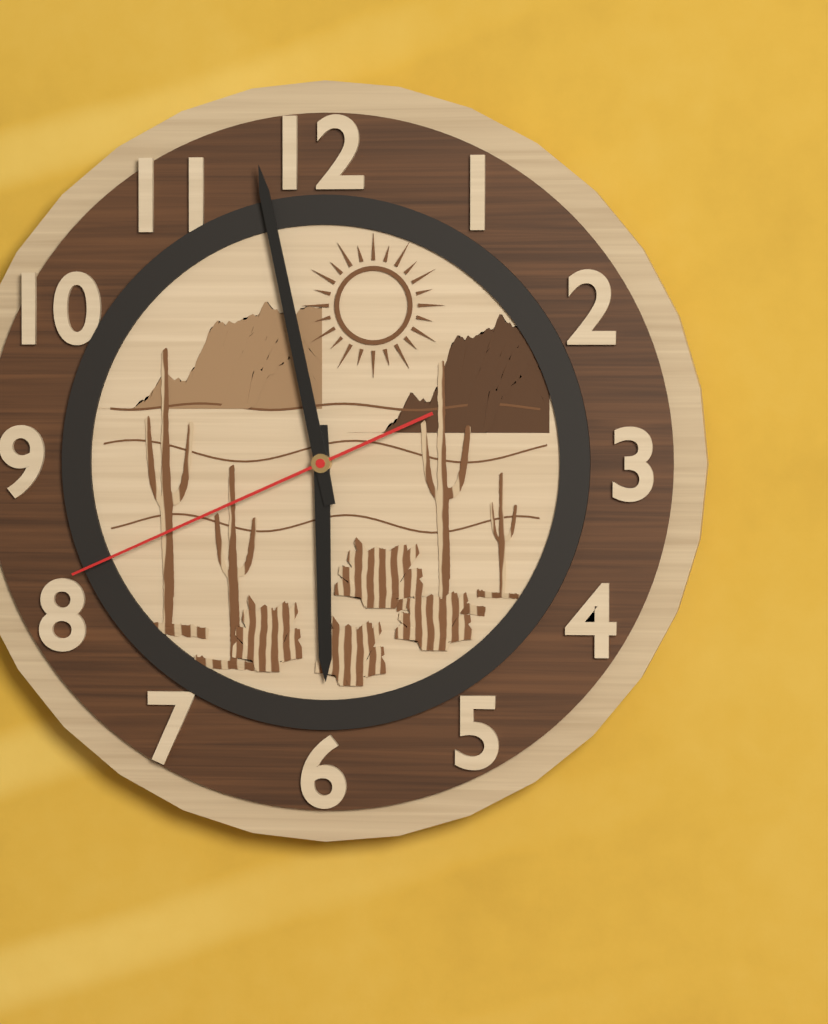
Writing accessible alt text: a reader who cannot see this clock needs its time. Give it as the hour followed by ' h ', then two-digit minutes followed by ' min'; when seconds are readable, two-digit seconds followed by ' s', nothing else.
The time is 5 h 58 min 41 s
